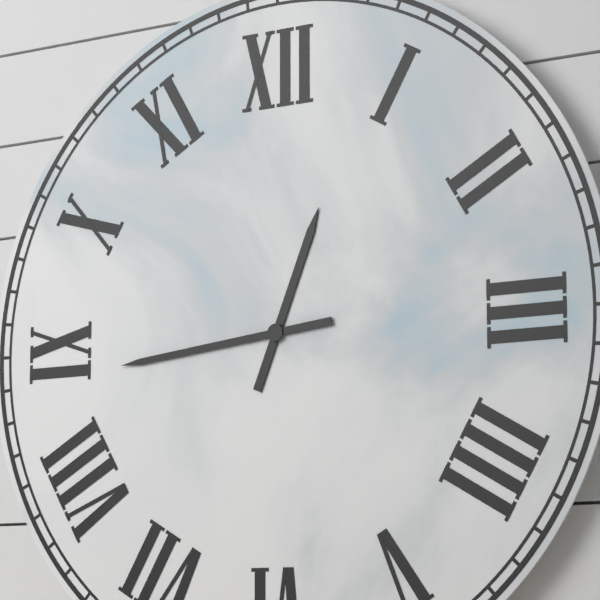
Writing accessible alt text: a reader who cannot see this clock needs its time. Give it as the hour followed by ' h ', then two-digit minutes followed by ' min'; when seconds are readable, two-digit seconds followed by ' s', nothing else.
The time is 12 h 44 min
